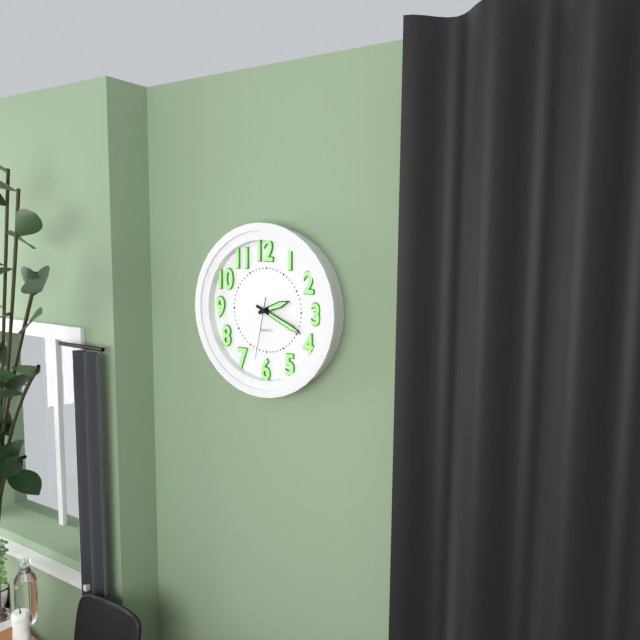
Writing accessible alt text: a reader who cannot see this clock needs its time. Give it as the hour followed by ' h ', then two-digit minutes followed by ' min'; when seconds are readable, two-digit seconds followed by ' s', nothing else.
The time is 2 h 19 min 32 s
